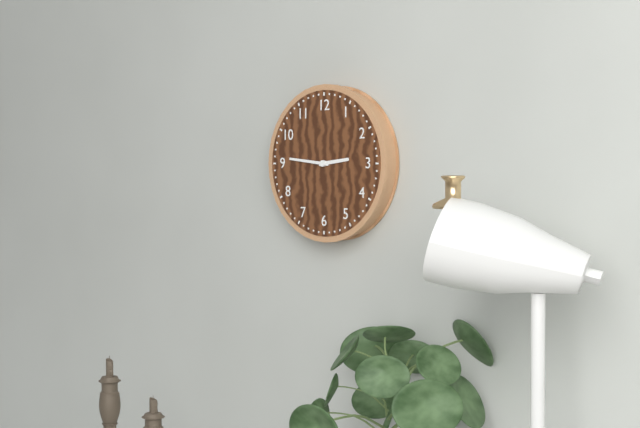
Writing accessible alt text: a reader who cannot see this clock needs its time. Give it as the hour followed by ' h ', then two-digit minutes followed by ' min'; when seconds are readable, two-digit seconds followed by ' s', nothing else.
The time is 2 h 46 min
